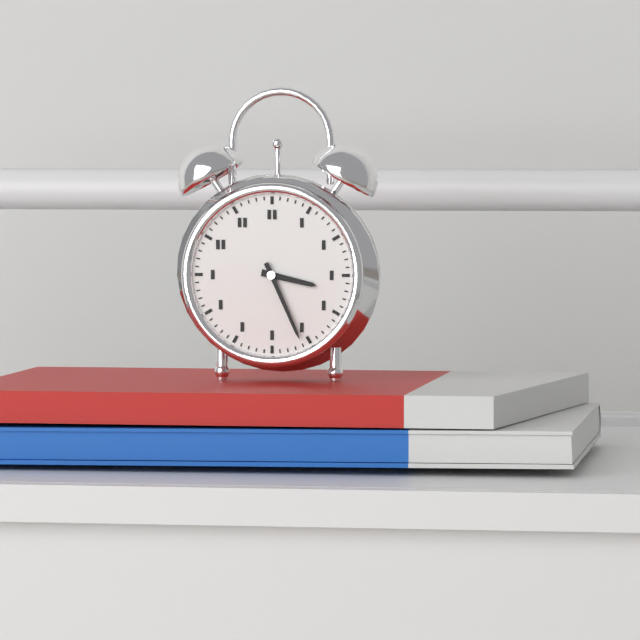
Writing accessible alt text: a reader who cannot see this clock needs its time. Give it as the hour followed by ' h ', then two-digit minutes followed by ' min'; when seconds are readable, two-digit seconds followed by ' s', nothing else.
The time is 3 h 26 min
